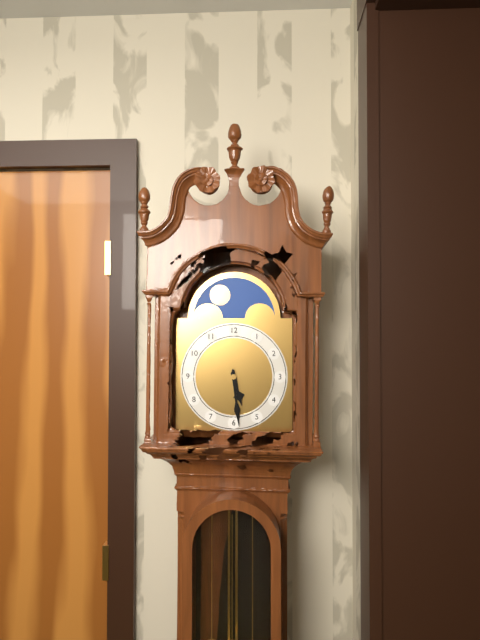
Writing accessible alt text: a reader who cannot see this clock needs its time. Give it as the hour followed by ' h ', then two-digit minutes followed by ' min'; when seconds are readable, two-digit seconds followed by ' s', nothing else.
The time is 5 h 29 min
